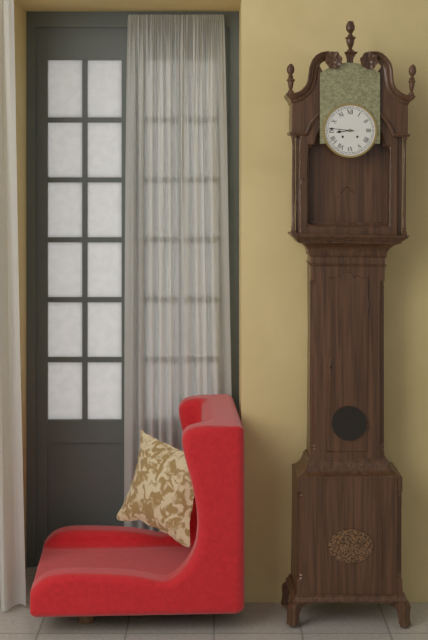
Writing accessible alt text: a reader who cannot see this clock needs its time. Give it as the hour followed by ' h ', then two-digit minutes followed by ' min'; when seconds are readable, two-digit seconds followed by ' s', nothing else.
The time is 8 h 46 min
